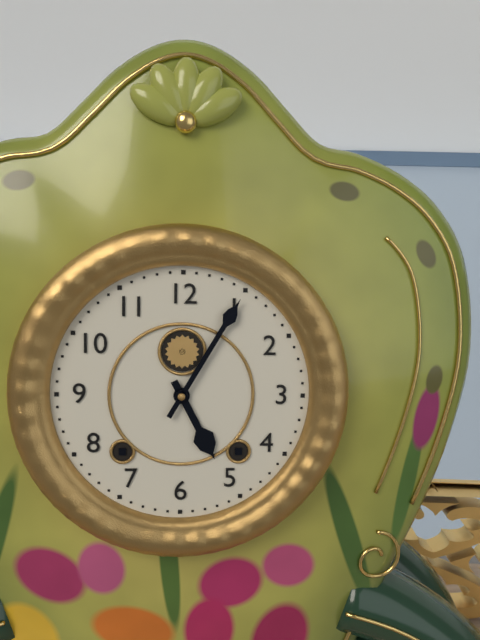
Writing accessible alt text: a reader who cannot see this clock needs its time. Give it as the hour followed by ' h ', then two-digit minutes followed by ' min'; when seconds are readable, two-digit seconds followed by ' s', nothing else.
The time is 5 h 05 min
